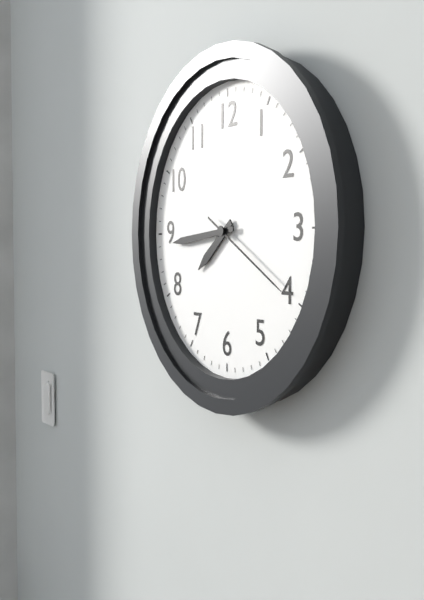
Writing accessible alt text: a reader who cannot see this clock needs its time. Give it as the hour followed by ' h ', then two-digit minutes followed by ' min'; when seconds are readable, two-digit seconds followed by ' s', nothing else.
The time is 7 h 44 min 20 s
